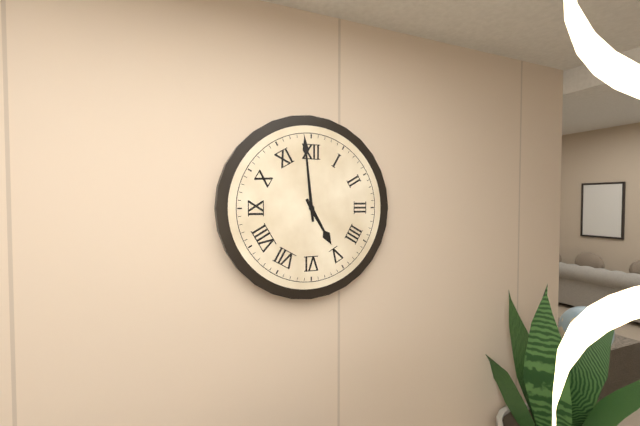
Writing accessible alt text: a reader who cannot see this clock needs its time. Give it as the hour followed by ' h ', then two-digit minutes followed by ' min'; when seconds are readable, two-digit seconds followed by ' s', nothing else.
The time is 4 h 59 min
